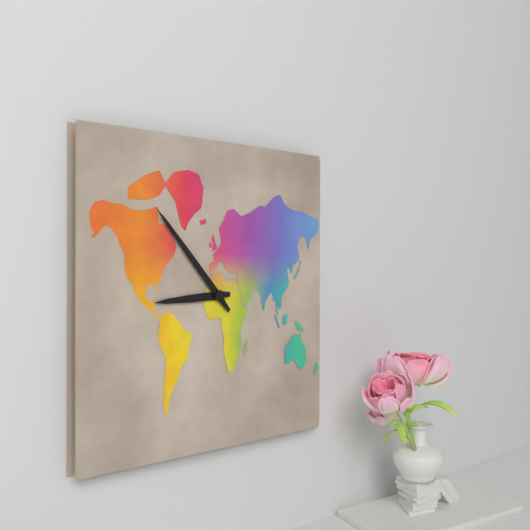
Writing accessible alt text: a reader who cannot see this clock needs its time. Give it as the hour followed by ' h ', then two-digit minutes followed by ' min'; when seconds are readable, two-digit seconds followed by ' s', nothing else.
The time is 8 h 53 min
